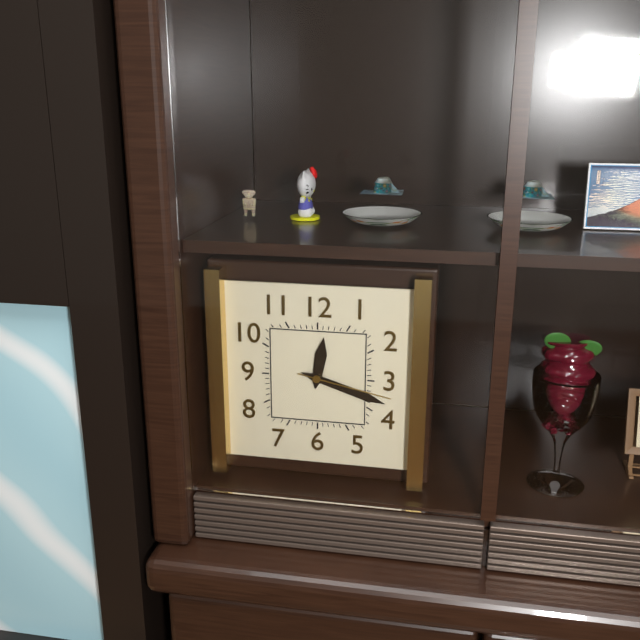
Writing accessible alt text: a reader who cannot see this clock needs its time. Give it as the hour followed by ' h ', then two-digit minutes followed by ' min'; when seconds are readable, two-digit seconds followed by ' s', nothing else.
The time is 12 h 18 min 17 s
